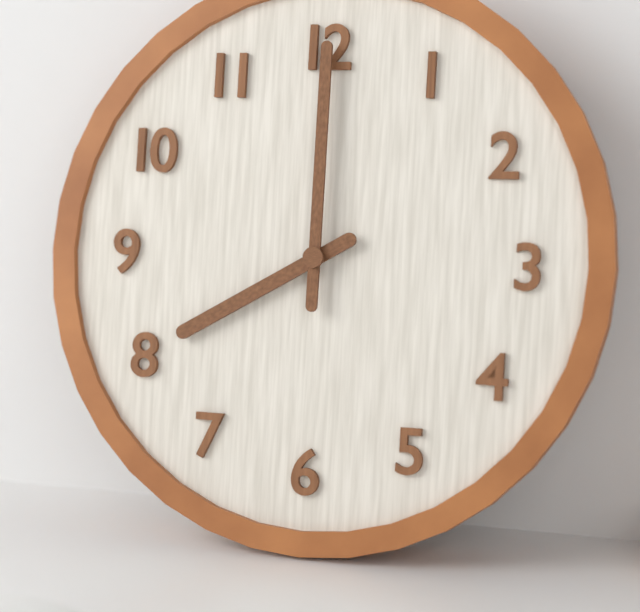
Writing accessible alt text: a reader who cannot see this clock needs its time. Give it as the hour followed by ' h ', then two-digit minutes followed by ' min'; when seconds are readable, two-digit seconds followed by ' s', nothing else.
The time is 8 h 00 min
